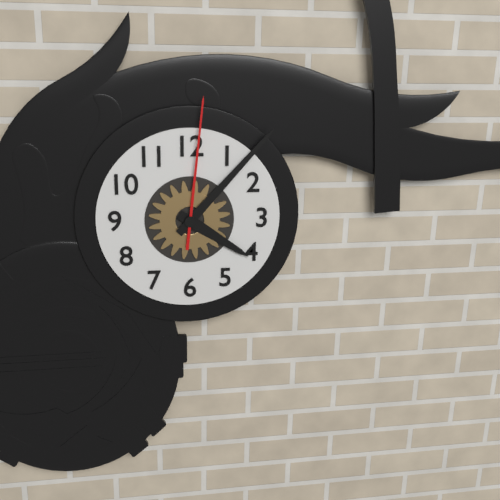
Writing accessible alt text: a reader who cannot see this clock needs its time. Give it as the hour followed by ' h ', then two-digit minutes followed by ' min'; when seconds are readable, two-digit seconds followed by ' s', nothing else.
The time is 4 h 07 min 01 s
